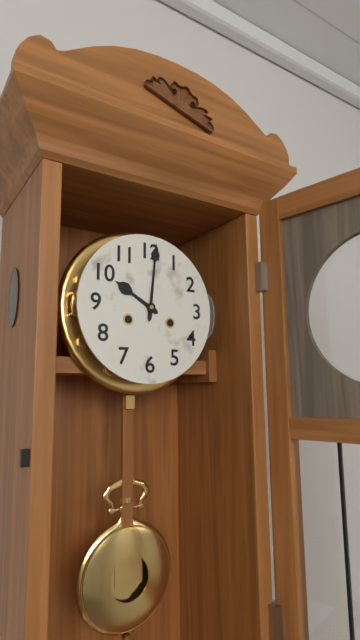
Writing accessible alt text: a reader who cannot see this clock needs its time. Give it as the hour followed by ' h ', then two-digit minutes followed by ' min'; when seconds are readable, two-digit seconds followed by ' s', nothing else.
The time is 10 h 01 min
